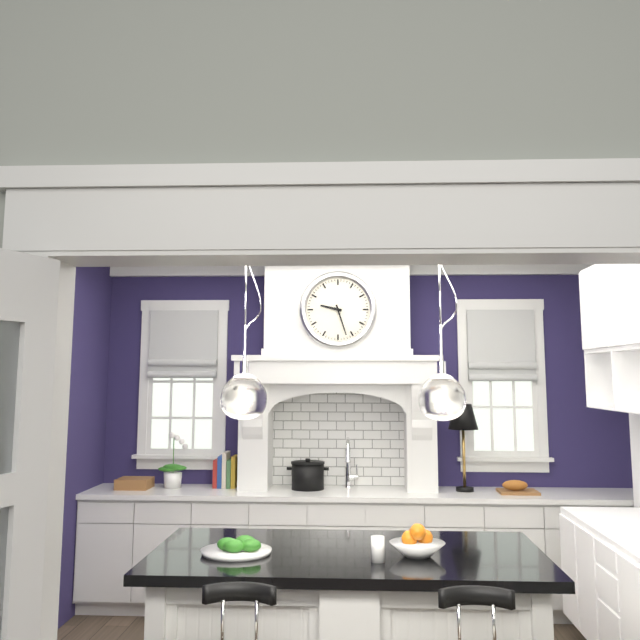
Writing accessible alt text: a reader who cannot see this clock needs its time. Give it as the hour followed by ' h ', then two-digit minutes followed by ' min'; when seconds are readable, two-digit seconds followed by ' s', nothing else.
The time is 9 h 27 min
